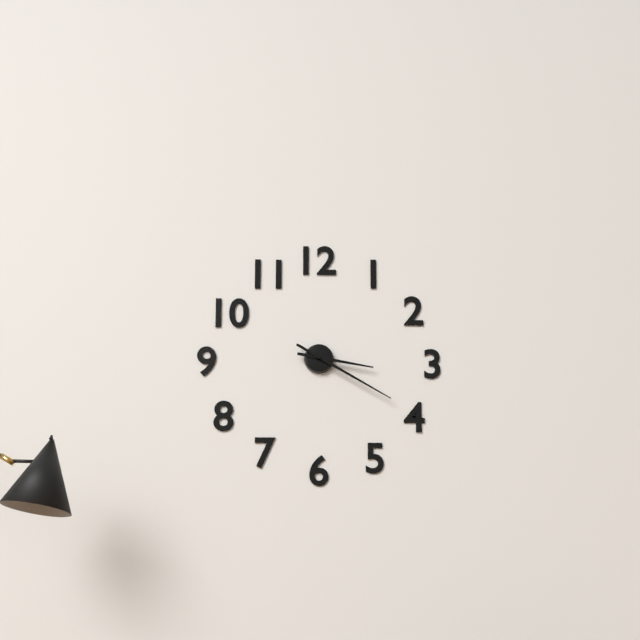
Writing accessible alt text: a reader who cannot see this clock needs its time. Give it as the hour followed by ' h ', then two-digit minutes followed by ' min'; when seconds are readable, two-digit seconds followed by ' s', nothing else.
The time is 3 h 20 min
